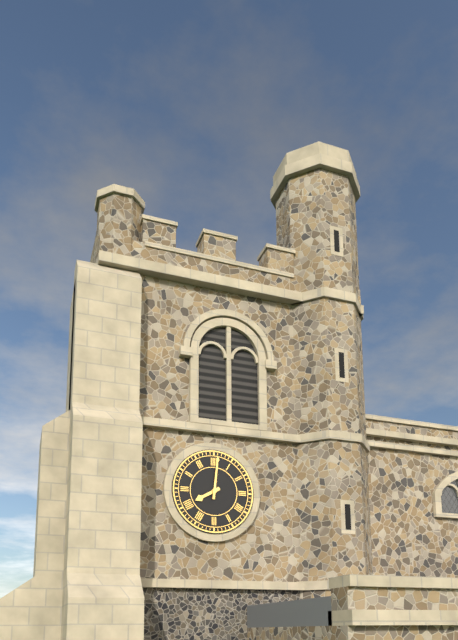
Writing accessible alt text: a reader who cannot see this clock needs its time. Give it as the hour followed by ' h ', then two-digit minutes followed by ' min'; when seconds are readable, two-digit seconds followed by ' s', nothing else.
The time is 8 h 01 min
